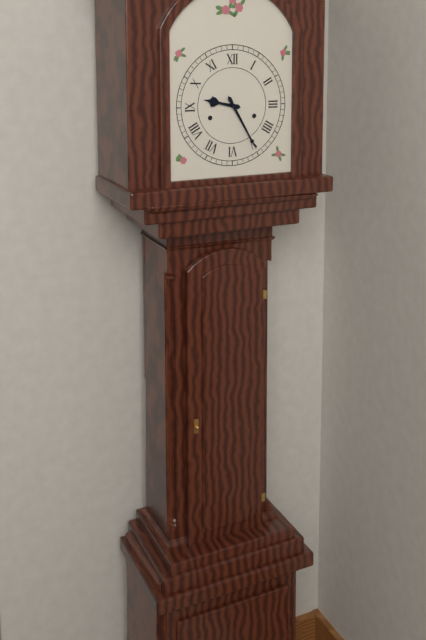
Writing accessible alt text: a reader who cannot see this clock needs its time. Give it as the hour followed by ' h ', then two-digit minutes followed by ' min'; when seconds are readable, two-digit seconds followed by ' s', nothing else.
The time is 9 h 25 min
